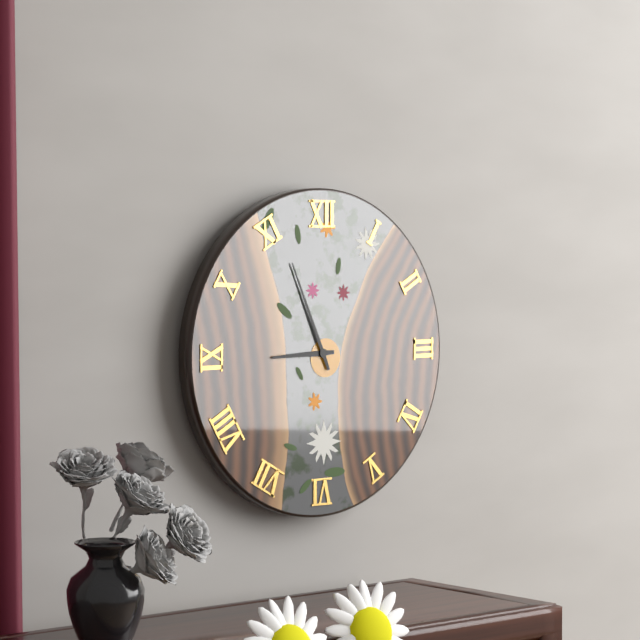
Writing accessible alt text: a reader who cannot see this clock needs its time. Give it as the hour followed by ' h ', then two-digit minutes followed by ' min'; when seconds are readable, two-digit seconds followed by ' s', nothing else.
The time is 8 h 56 min
